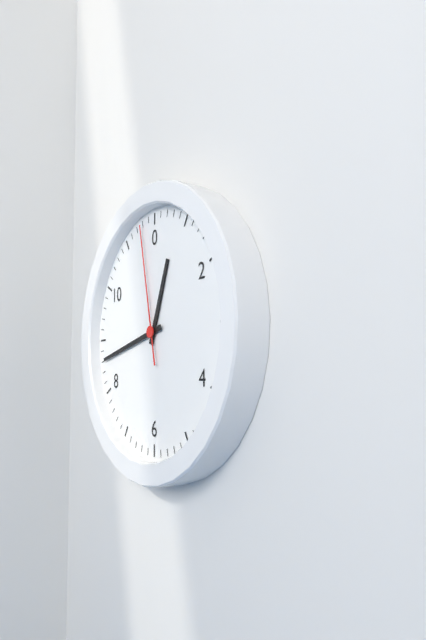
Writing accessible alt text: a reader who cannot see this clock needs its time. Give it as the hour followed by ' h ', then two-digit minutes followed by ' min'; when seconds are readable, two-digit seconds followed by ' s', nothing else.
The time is 12 h 43 min 58 s
